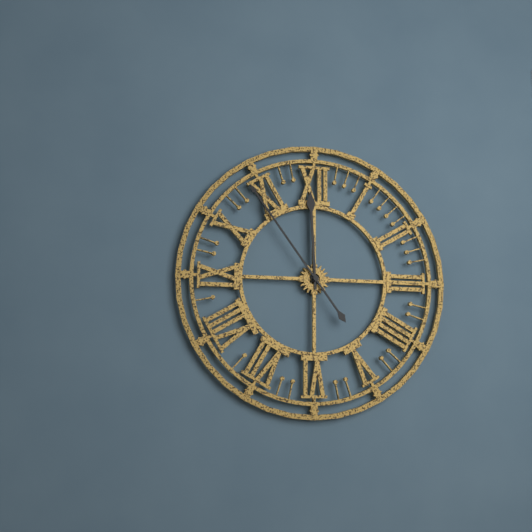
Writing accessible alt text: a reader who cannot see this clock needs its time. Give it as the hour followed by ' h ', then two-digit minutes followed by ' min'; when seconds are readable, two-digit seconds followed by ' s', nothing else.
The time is 11 h 54 min
